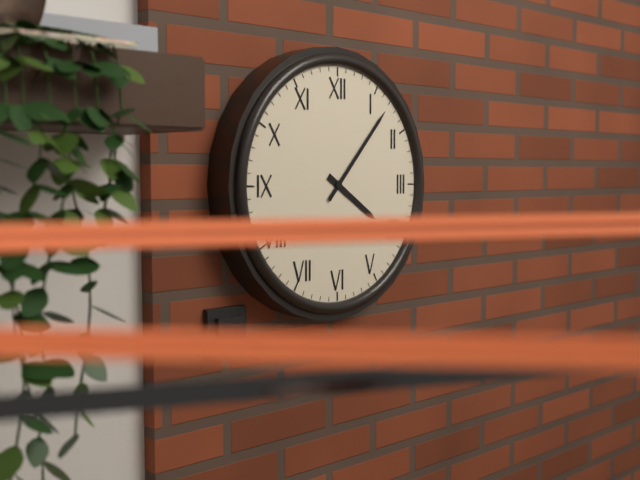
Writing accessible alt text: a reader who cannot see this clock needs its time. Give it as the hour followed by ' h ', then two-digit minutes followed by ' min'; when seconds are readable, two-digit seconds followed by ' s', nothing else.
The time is 4 h 07 min
